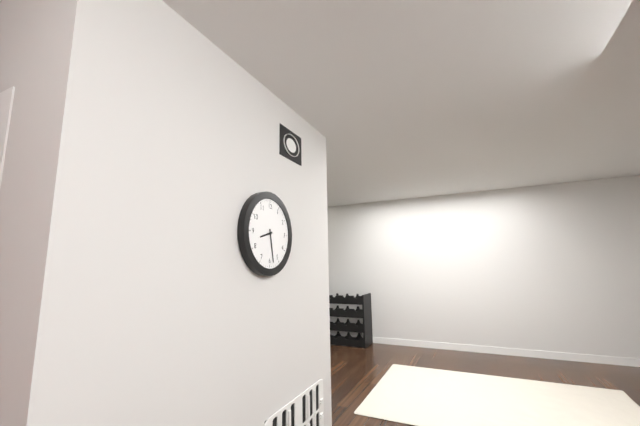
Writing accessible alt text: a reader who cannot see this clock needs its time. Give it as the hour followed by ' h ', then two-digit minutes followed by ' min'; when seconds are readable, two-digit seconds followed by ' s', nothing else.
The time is 8 h 28 min
